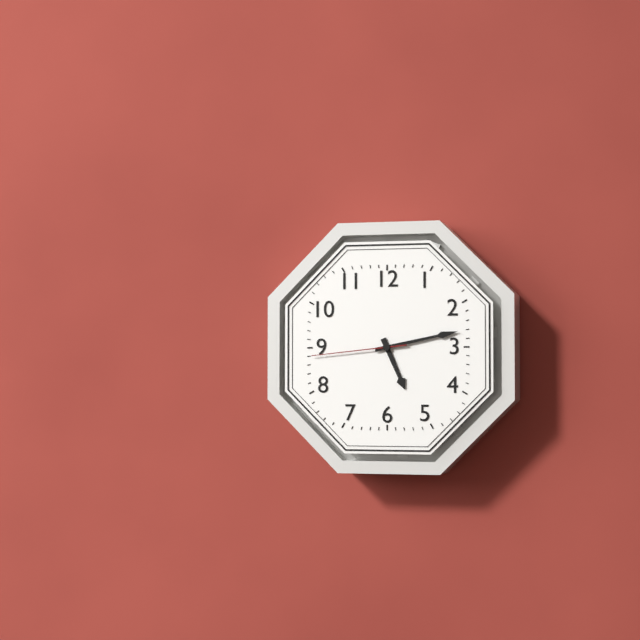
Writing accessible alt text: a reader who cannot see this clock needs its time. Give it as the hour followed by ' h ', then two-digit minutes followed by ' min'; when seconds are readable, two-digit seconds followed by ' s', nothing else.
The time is 5 h 13 min 44 s
